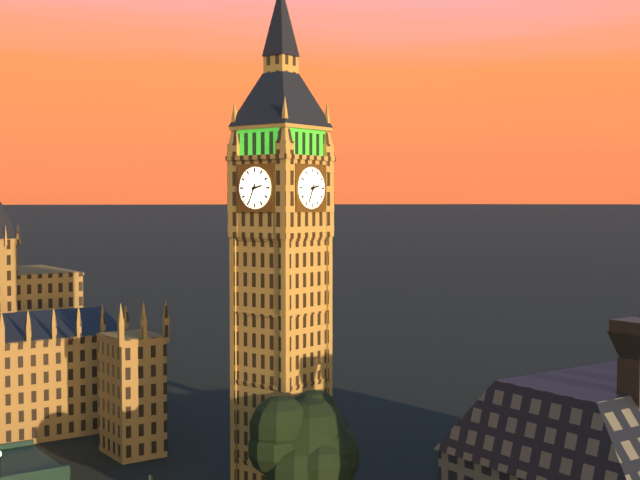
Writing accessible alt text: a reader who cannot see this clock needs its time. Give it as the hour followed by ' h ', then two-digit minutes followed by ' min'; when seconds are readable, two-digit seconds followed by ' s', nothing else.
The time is 2 h 34 min
